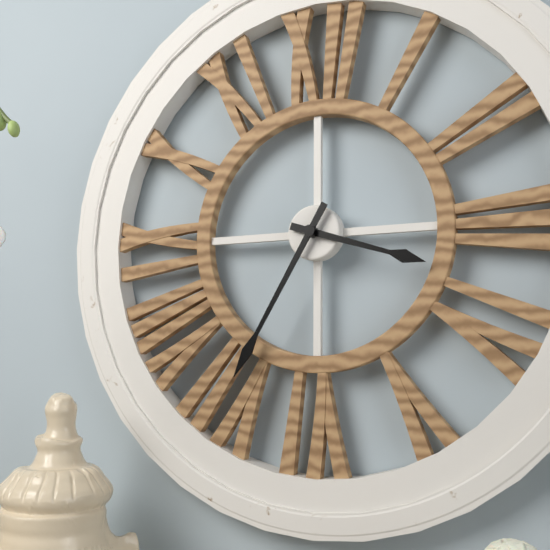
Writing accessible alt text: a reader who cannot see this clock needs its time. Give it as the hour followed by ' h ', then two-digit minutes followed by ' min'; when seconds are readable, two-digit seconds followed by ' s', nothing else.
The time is 3 h 35 min
